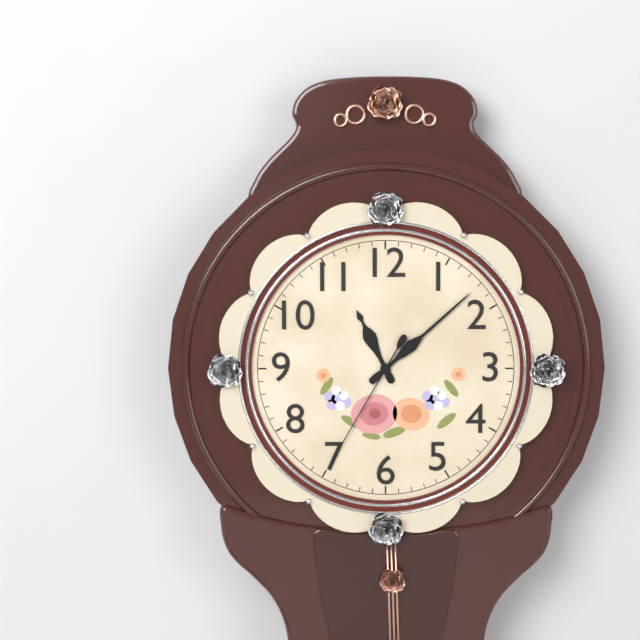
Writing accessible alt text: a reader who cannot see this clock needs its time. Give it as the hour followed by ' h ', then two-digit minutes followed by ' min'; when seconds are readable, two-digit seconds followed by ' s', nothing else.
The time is 11 h 08 min 35 s
